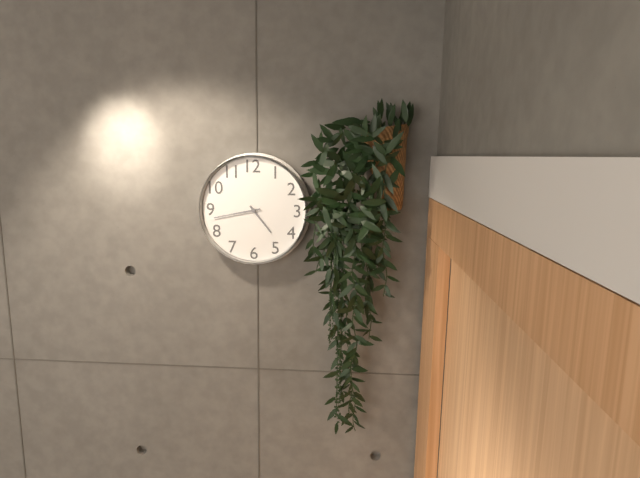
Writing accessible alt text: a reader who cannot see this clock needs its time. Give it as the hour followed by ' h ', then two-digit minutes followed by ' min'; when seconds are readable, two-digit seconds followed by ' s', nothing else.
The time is 4 h 43 min
